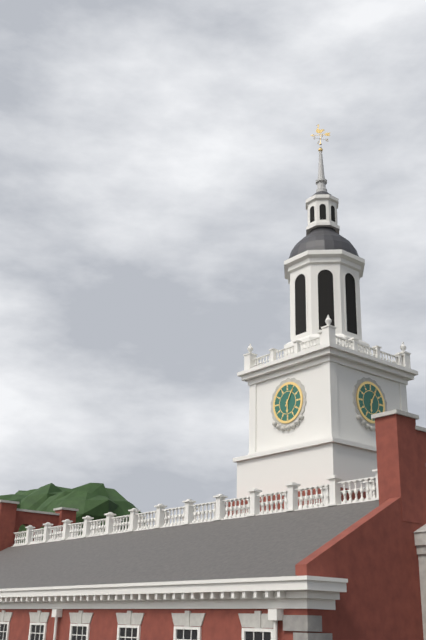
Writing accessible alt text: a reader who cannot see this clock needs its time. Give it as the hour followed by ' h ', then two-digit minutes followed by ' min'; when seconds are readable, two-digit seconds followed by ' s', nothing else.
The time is 6 h 05 min
